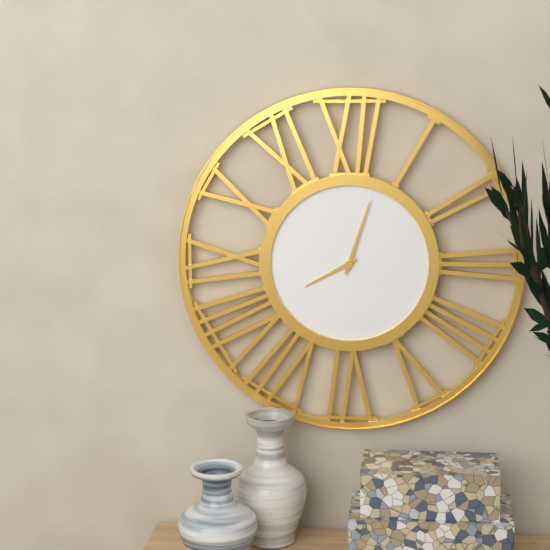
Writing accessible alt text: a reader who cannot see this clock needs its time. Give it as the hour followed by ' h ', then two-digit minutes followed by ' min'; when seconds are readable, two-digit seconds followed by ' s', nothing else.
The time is 8 h 03 min
